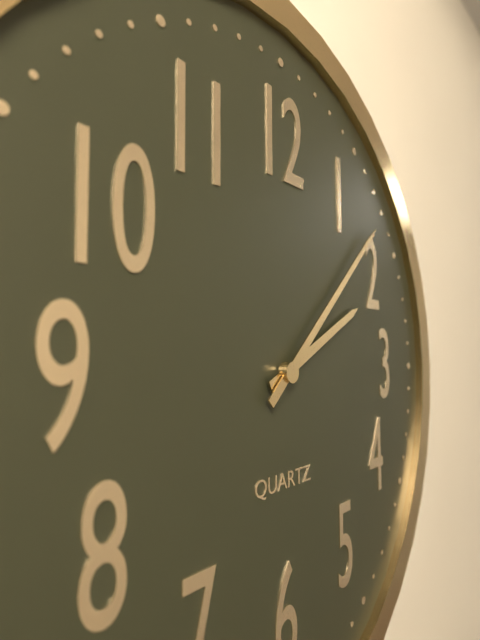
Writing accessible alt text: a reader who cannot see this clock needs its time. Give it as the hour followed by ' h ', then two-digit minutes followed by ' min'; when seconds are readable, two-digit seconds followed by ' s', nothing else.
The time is 2 h 08 min
